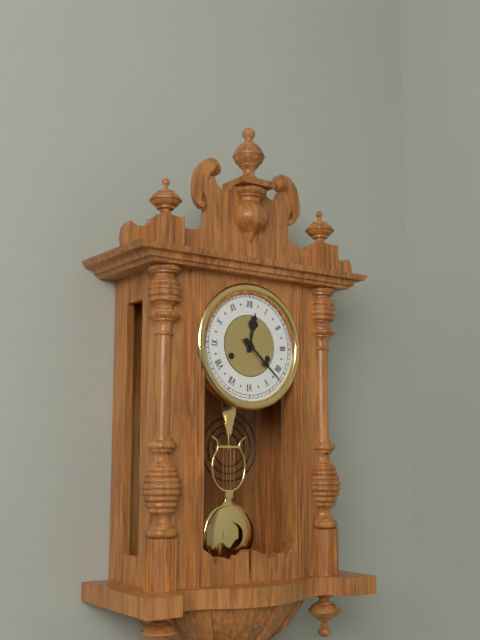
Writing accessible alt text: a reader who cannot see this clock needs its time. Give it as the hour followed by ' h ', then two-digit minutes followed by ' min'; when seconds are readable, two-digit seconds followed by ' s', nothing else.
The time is 12 h 22 min
